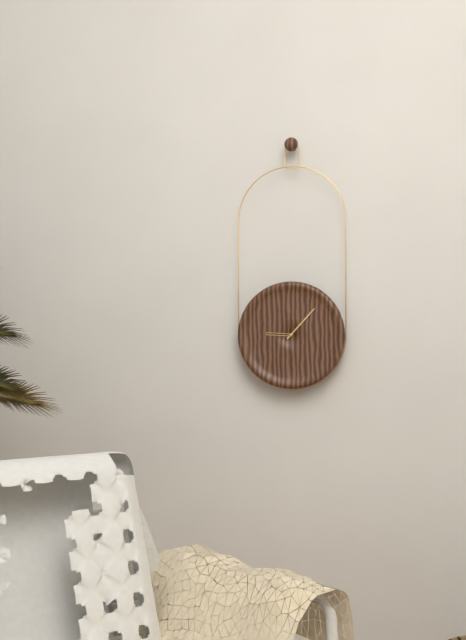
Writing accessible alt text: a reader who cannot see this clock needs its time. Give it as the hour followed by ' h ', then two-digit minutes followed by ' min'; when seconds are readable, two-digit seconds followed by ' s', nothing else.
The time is 9 h 07 min
